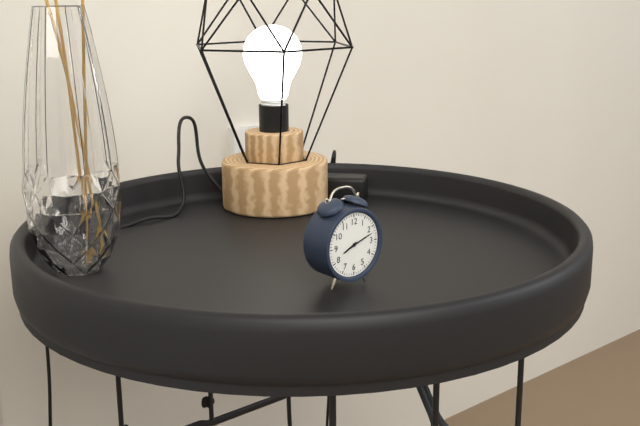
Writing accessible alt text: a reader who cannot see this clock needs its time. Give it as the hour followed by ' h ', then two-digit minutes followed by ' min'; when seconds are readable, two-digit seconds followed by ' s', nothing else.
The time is 8 h 12 min
